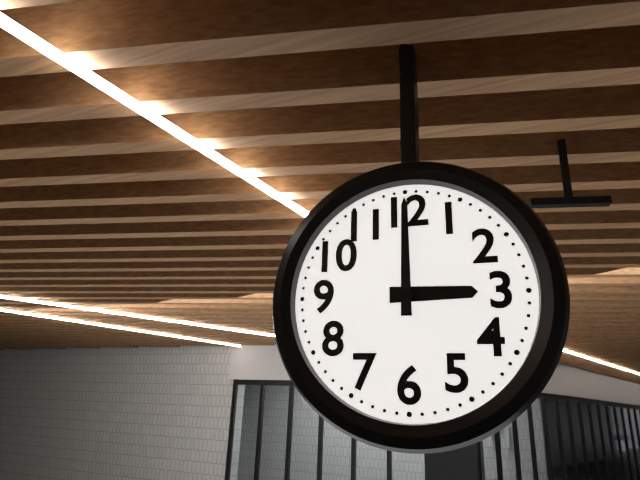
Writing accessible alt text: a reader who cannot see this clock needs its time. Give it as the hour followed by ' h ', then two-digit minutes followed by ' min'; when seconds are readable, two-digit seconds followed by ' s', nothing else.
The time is 3 h 00 min
